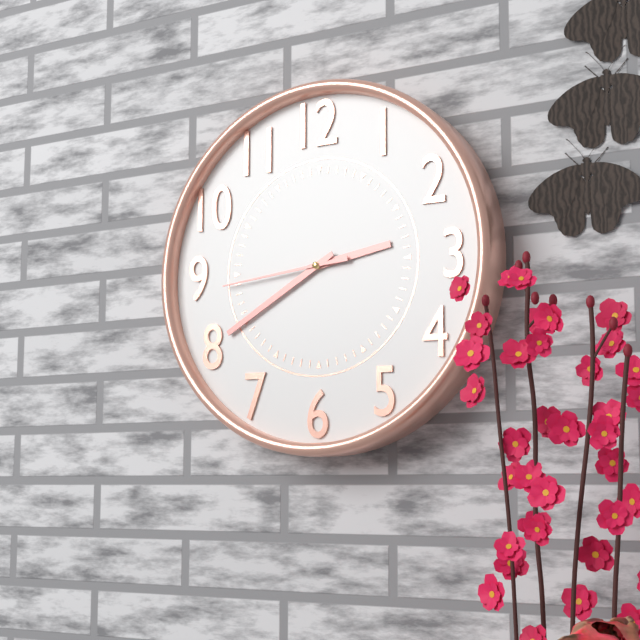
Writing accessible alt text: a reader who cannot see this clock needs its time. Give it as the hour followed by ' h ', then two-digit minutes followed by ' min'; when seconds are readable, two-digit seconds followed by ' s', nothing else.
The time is 2 h 40 min 44 s
